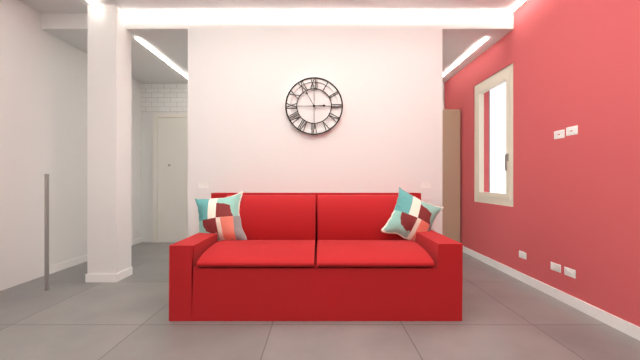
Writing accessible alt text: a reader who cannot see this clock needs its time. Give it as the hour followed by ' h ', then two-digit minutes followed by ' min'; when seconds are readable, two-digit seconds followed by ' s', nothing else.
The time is 2 h 55 min
